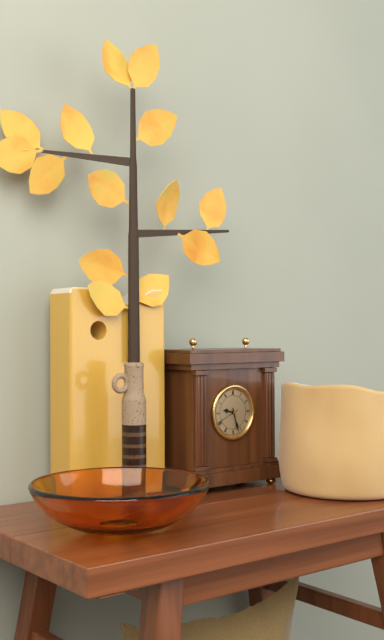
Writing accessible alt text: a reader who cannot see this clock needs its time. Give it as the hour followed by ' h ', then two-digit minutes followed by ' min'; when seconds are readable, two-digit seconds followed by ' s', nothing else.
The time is 9 h 27 min
